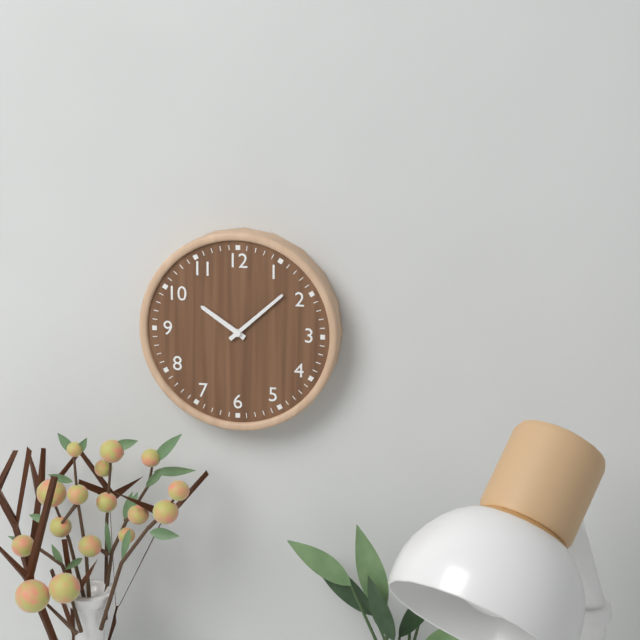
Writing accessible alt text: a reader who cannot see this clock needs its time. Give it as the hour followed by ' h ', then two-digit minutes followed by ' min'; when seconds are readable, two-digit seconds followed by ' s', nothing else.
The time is 10 h 08 min
